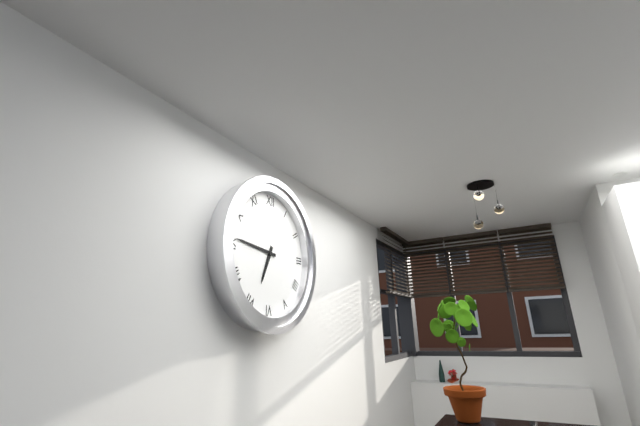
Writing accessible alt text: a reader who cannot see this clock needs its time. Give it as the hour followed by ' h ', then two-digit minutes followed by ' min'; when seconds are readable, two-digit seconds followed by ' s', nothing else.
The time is 6 h 46 min
